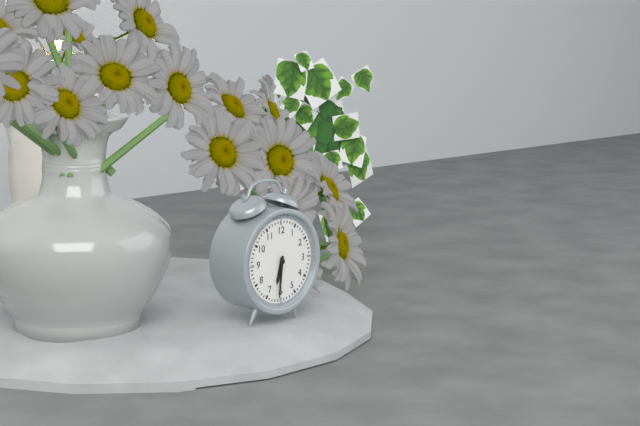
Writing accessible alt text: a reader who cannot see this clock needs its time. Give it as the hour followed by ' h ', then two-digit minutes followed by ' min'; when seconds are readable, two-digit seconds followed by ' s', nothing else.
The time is 6 h 31 min
